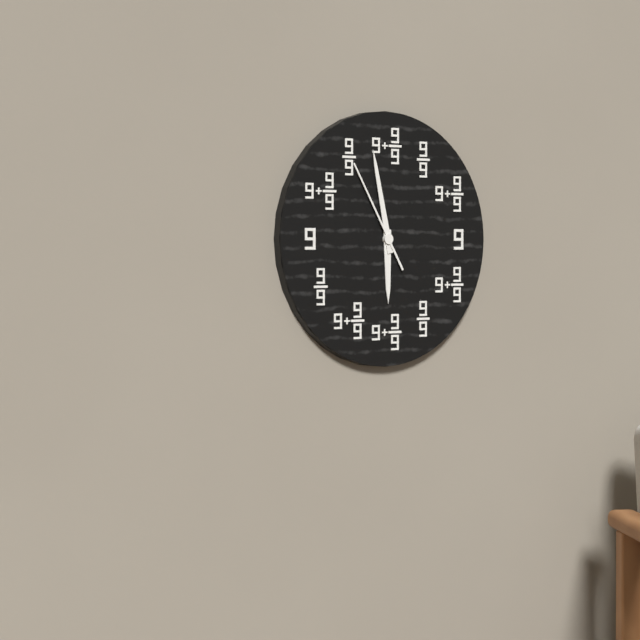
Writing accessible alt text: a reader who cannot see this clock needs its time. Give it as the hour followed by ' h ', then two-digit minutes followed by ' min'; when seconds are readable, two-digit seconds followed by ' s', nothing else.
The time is 5 h 58 min 55 s
